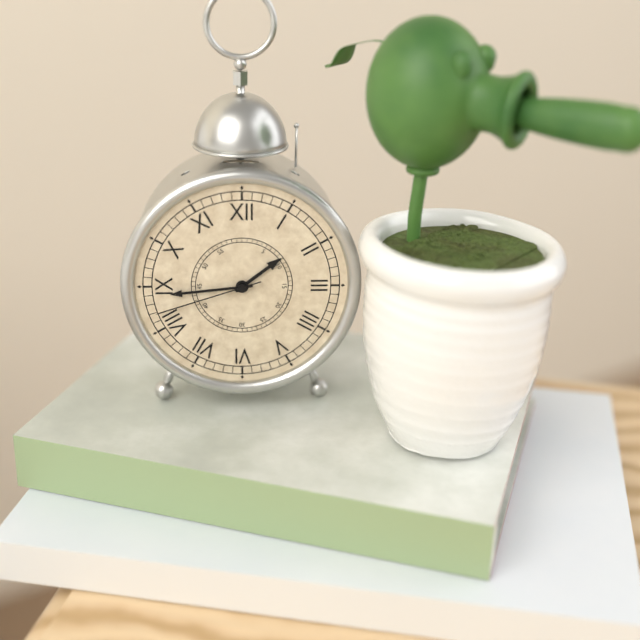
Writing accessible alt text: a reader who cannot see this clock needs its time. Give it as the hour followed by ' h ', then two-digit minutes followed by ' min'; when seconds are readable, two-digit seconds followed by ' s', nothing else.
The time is 1 h 44 min 42 s
